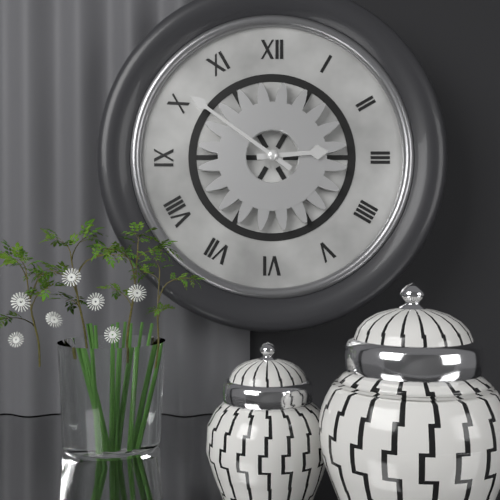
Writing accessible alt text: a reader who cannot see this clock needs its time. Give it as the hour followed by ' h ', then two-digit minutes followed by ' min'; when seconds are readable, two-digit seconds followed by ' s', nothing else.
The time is 2 h 51 min
